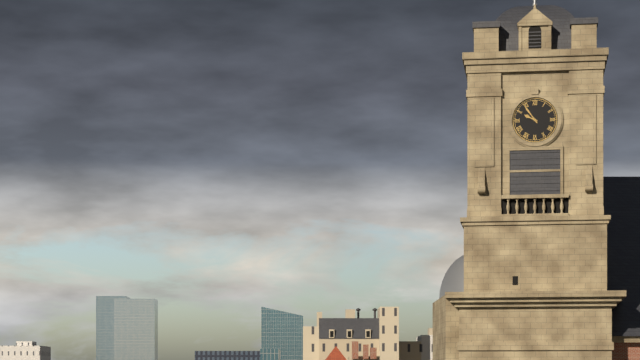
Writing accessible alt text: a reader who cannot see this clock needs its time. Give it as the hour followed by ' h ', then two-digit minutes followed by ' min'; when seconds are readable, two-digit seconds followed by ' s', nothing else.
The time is 9 h 54 min
